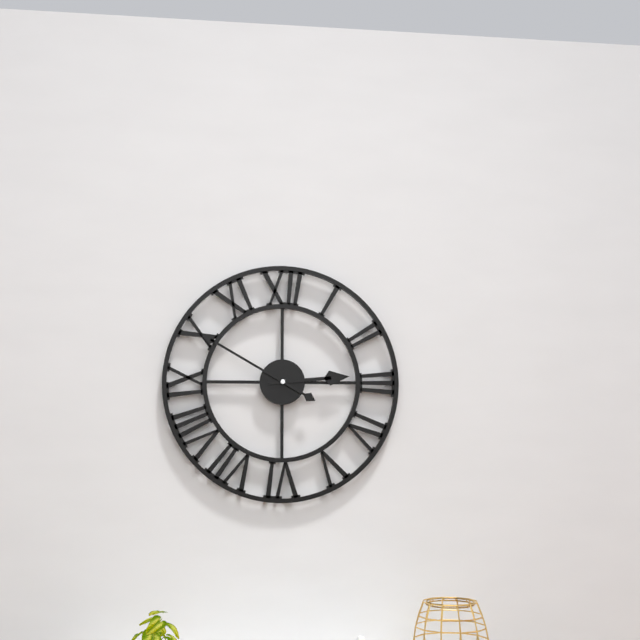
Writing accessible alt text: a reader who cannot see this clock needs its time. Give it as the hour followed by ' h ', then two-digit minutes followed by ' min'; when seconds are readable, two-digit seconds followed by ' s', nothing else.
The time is 2 h 50 min
